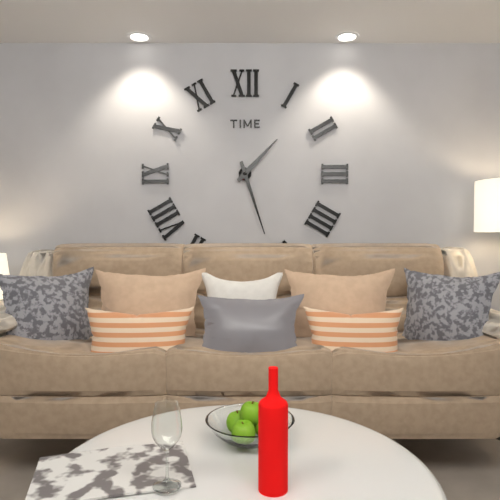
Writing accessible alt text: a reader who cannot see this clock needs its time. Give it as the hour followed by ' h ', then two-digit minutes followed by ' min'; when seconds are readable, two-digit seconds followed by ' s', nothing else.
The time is 1 h 27 min
